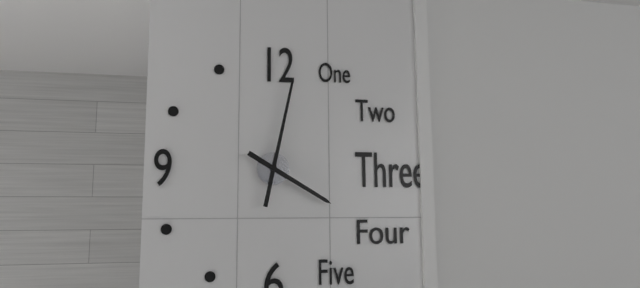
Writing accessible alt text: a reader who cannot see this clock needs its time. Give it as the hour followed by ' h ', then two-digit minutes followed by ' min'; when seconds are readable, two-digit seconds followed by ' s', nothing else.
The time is 4 h 02 min
